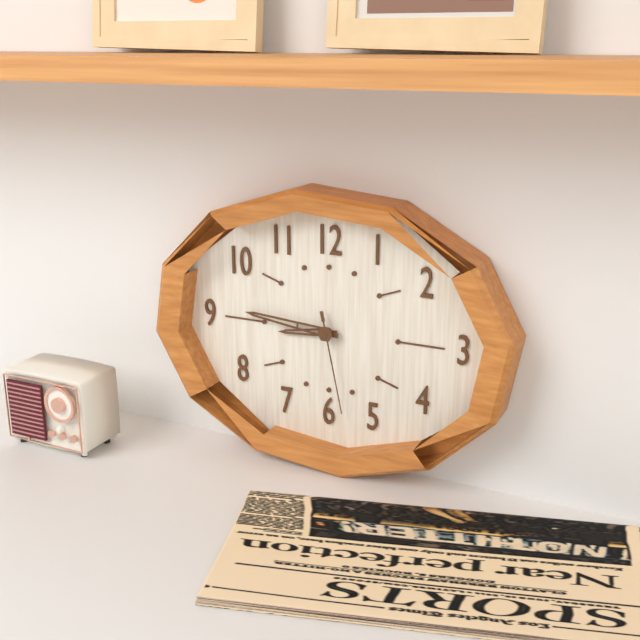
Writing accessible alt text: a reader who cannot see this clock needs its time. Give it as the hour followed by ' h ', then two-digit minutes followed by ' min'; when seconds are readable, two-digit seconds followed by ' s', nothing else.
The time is 8 h 46 min 28 s
